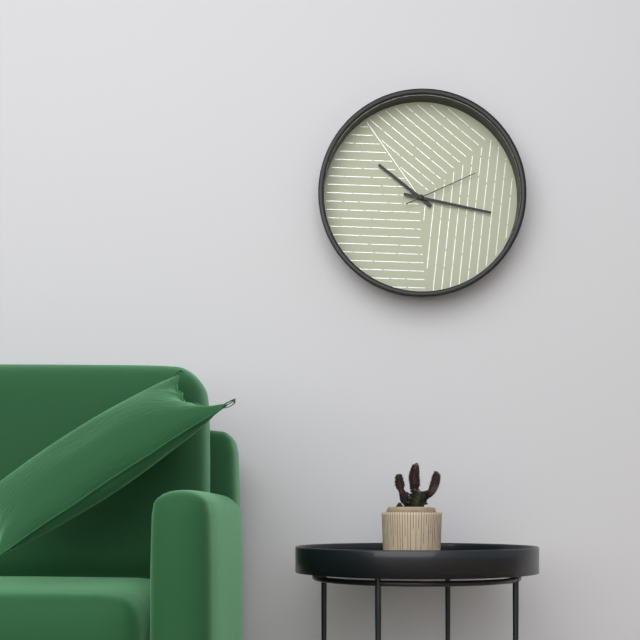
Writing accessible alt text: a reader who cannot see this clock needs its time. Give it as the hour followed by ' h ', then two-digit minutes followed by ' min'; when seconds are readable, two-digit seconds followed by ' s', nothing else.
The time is 10 h 17 min 11 s
